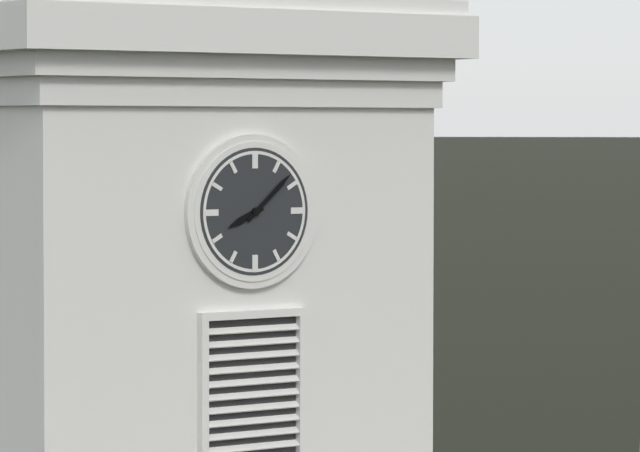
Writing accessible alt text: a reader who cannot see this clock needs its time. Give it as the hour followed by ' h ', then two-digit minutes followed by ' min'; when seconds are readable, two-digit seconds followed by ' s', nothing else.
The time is 8 h 08 min
